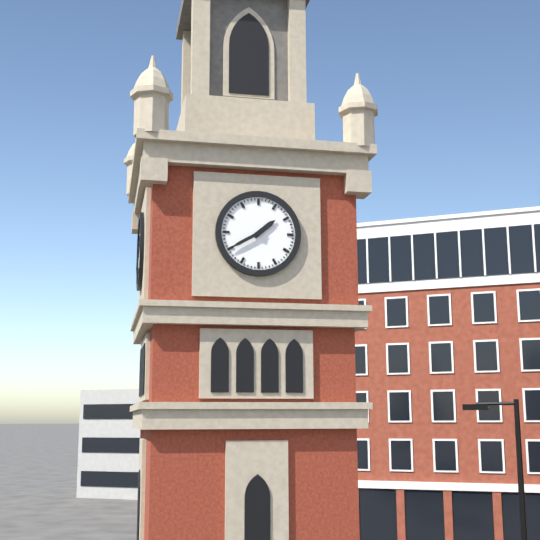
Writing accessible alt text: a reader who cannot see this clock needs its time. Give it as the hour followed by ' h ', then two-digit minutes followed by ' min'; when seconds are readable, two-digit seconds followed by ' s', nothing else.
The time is 1 h 40 min
